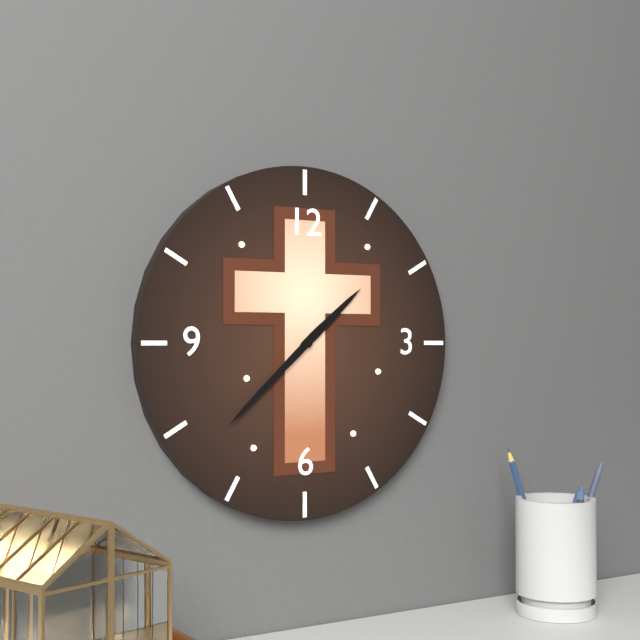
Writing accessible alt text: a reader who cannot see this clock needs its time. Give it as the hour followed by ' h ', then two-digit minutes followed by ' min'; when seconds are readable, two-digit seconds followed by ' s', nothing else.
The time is 1 h 38 min
